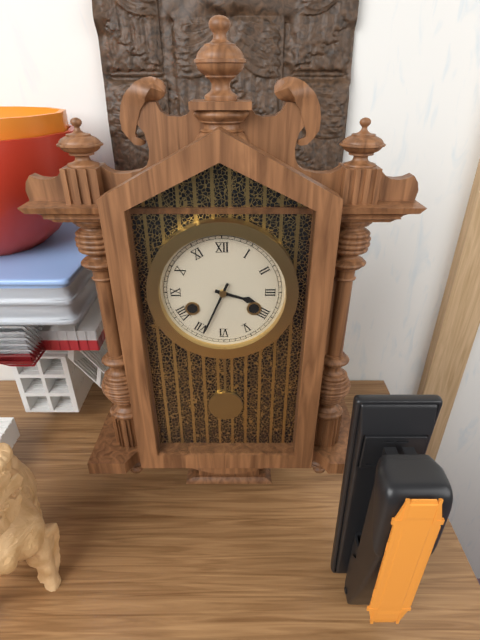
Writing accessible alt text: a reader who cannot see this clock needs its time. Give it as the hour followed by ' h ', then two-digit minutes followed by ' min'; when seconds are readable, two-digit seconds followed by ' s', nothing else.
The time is 3 h 34 min
